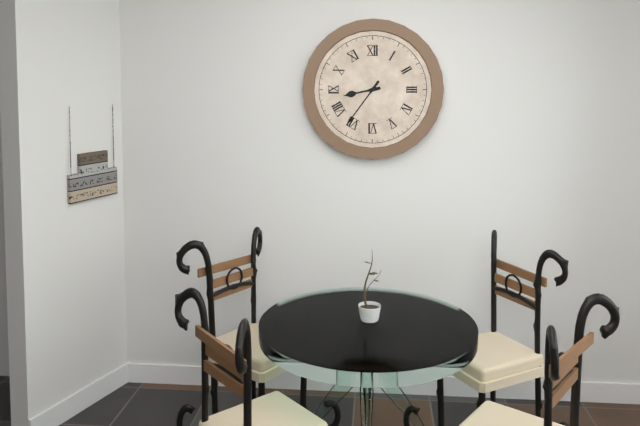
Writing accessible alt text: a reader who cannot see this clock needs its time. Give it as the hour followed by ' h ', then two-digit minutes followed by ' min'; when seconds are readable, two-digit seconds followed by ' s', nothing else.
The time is 8 h 36 min
